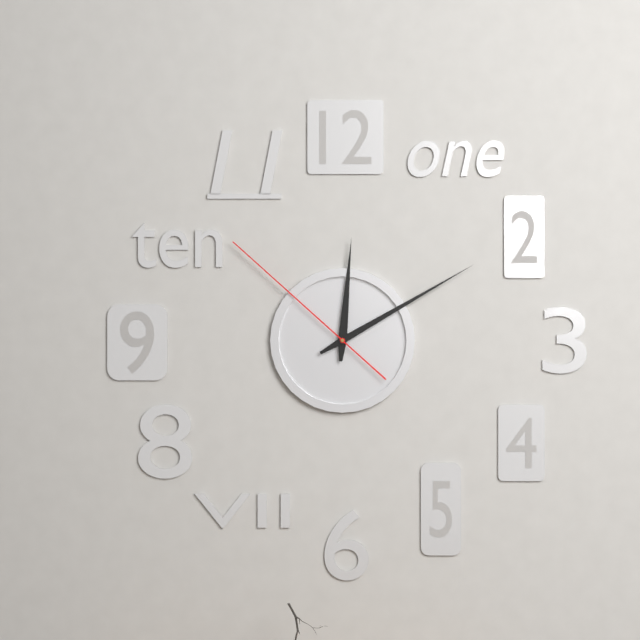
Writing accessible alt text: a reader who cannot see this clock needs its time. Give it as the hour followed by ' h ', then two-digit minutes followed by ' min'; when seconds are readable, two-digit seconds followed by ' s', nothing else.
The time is 12 h 10 min 52 s
